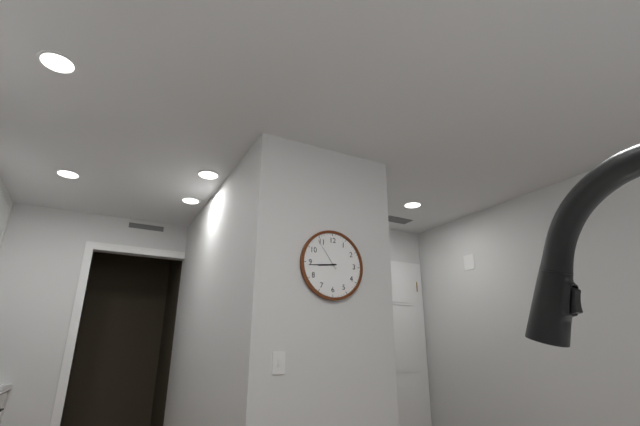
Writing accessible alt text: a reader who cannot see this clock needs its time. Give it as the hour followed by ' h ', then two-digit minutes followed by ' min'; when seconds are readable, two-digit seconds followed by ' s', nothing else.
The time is 8 h 44 min
